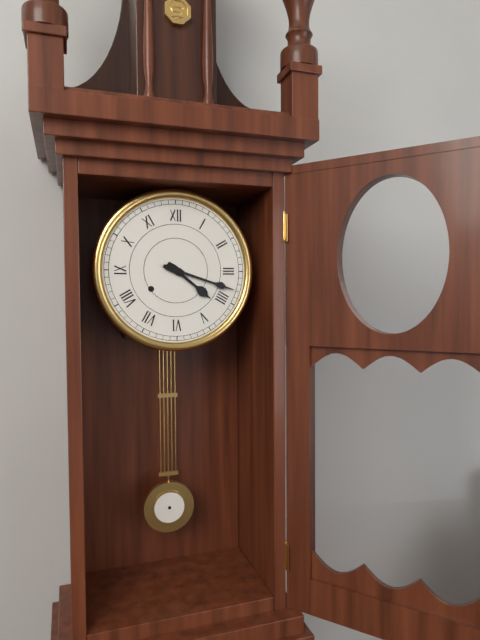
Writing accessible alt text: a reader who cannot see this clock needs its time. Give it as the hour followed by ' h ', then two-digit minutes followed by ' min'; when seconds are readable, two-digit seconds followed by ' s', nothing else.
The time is 4 h 18 min
